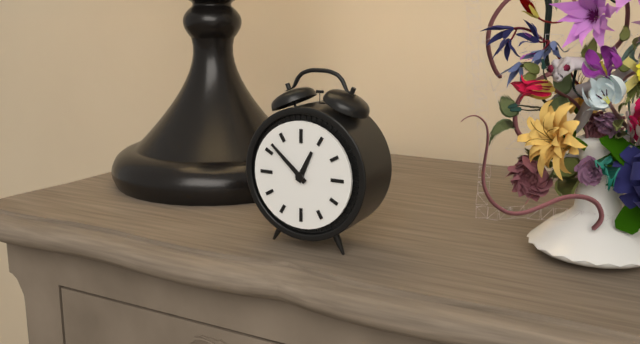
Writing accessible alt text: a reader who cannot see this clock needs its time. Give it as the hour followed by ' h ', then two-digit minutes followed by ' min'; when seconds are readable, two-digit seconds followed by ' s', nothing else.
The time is 12 h 52 min
